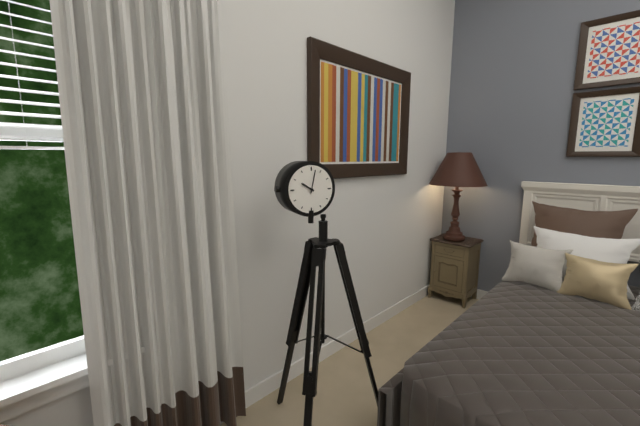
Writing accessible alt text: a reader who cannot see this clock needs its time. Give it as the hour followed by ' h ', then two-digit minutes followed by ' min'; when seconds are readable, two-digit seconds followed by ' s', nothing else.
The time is 10 h 02 min
